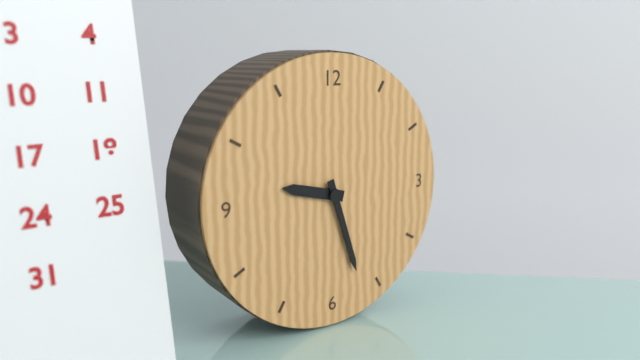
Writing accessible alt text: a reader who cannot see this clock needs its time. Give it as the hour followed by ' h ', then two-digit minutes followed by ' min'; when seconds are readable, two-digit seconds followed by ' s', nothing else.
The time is 9 h 27 min
